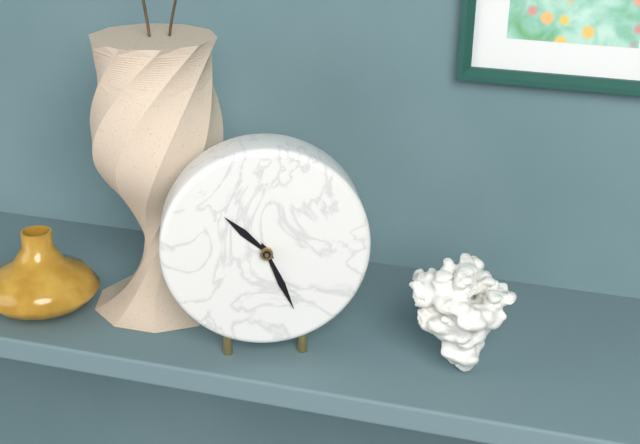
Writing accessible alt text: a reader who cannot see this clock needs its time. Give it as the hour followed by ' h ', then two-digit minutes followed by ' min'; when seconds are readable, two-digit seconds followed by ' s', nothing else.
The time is 10 h 26 min
